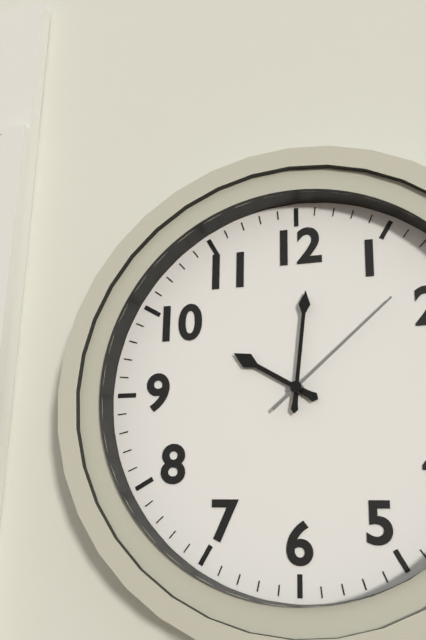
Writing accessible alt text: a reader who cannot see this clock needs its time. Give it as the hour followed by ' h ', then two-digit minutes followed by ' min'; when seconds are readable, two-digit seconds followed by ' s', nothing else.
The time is 10 h 01 min 08 s
